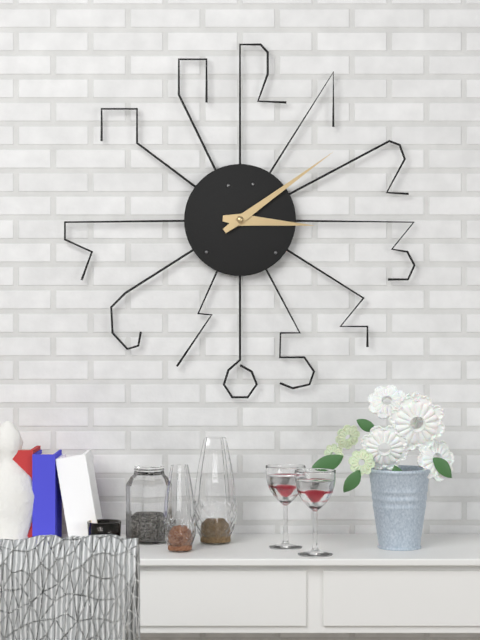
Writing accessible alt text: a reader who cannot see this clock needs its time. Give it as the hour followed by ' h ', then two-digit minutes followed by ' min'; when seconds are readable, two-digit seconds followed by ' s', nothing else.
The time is 3 h 09 min
